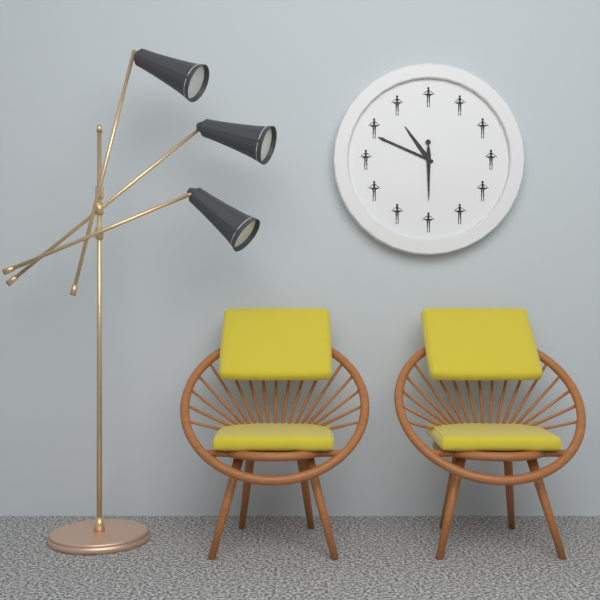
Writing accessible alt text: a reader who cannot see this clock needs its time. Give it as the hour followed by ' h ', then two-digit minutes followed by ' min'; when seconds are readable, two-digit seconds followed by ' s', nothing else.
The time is 10 h 49 min
